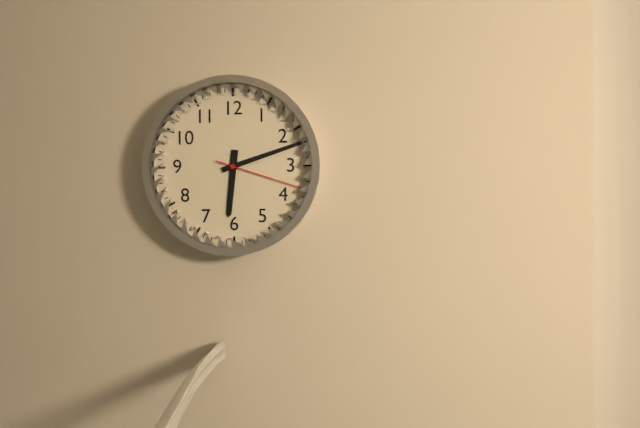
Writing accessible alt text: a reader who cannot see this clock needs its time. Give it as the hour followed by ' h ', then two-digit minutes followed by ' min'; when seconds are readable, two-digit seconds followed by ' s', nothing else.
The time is 6 h 12 min 18 s
